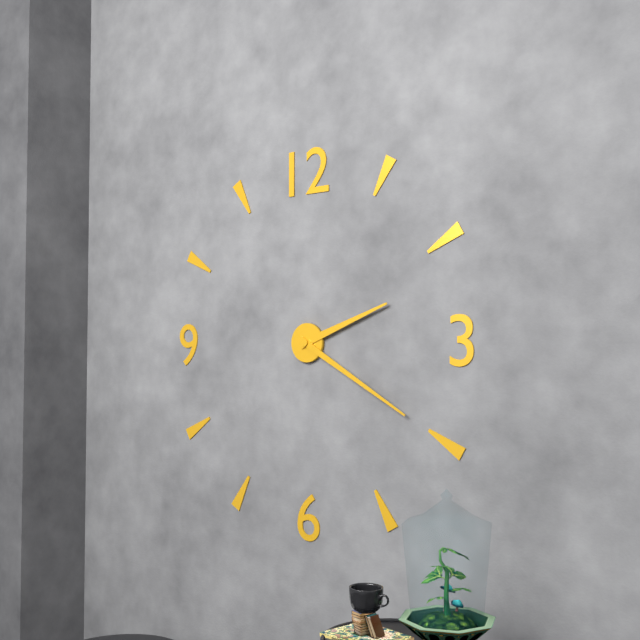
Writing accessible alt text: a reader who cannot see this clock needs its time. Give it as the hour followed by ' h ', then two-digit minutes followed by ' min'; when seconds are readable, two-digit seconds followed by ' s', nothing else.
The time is 2 h 20 min
